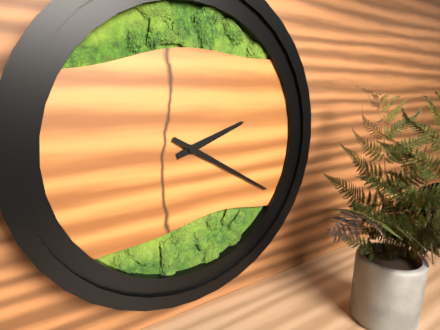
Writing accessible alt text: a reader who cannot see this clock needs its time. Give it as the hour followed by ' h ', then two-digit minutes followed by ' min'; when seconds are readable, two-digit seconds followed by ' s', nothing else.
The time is 2 h 20 min
